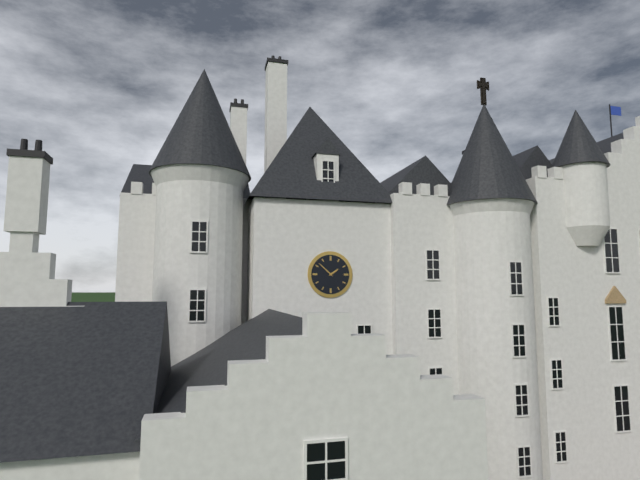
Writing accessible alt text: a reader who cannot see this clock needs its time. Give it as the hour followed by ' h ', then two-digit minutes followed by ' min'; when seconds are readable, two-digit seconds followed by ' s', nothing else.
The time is 1 h 52 min
